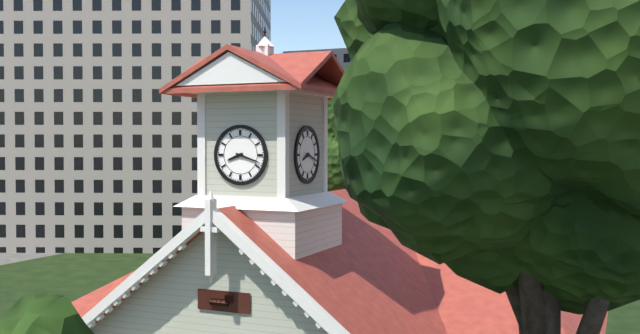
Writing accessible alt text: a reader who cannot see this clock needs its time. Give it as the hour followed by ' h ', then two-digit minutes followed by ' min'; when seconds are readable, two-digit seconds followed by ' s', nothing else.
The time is 8 h 18 min
